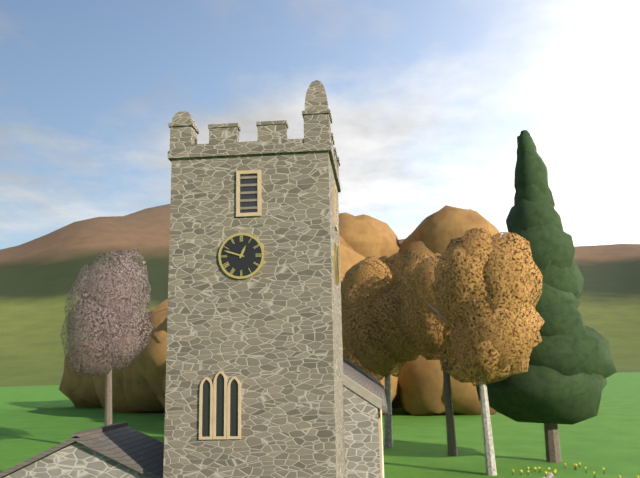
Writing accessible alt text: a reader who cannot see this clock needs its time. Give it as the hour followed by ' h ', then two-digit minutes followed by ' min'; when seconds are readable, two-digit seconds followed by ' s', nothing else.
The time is 12 h 48 min
